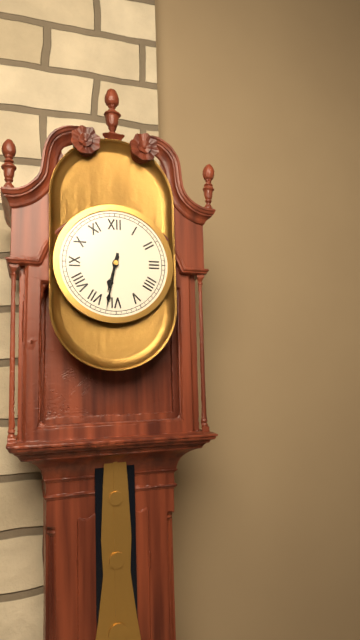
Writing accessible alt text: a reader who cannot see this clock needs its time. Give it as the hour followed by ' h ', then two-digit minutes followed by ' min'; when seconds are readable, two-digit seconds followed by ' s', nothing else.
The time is 6 h 32 min
